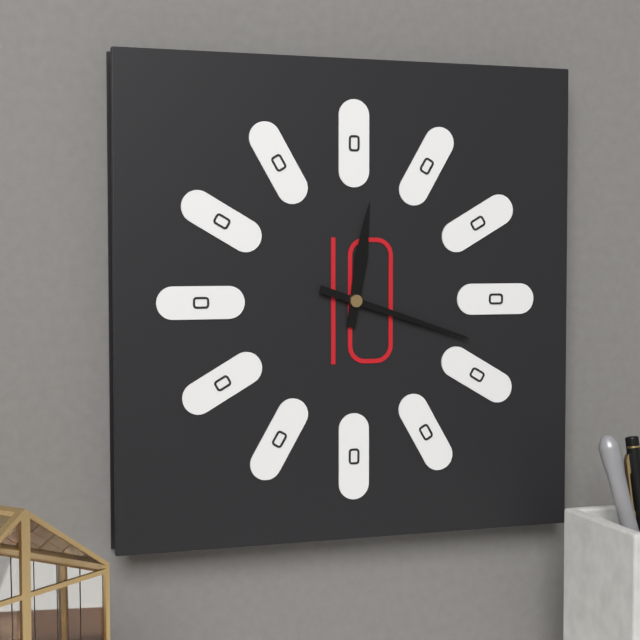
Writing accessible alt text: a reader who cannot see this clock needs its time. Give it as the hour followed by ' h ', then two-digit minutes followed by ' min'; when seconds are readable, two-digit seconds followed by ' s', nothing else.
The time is 12 h 18 min
